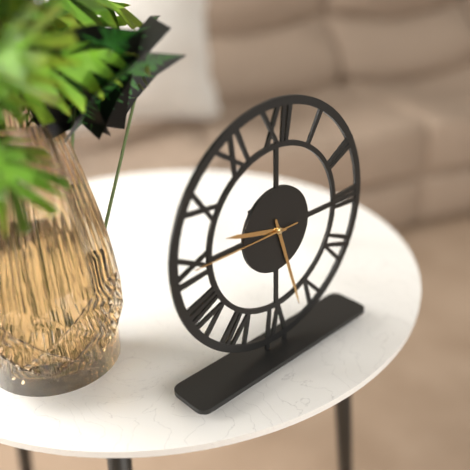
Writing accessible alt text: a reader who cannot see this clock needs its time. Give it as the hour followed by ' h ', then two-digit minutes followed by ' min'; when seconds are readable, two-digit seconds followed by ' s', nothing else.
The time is 9 h 27 min 45 s
